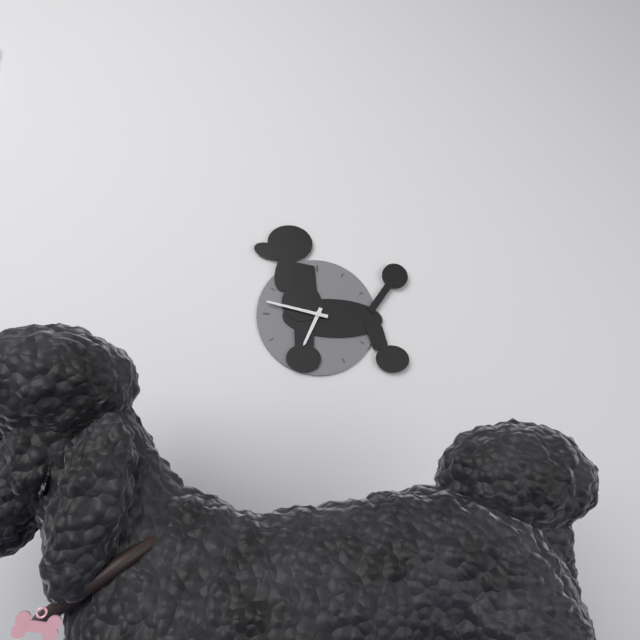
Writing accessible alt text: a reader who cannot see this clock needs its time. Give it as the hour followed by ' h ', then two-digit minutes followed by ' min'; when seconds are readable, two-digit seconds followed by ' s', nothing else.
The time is 6 h 47 min
